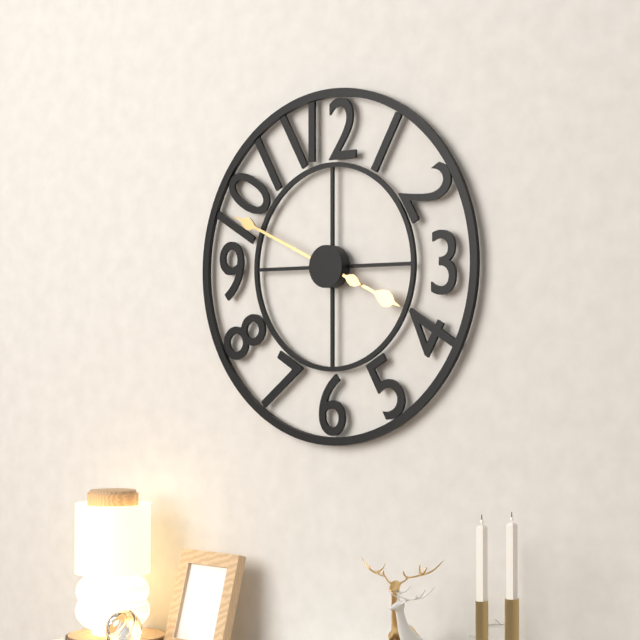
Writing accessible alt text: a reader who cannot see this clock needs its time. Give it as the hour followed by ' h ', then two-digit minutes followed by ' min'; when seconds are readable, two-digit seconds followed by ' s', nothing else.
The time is 3 h 49 min
